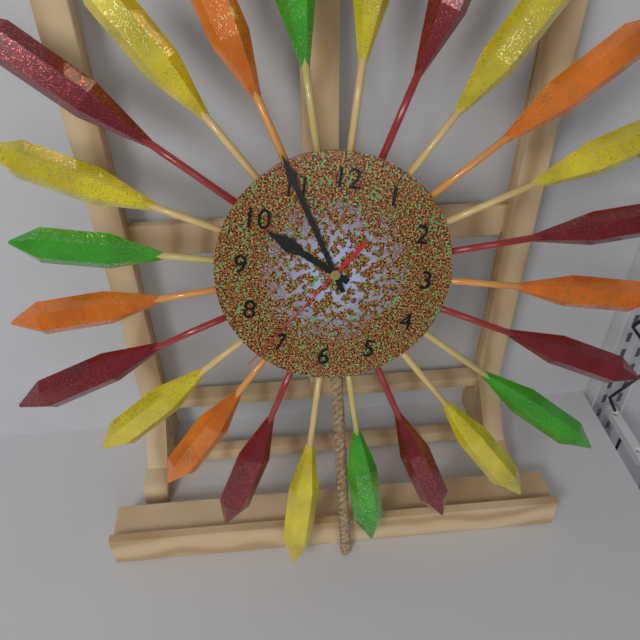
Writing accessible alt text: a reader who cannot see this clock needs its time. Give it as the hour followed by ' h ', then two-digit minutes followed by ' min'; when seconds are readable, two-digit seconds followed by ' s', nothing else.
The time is 9 h 55 min 36 s
